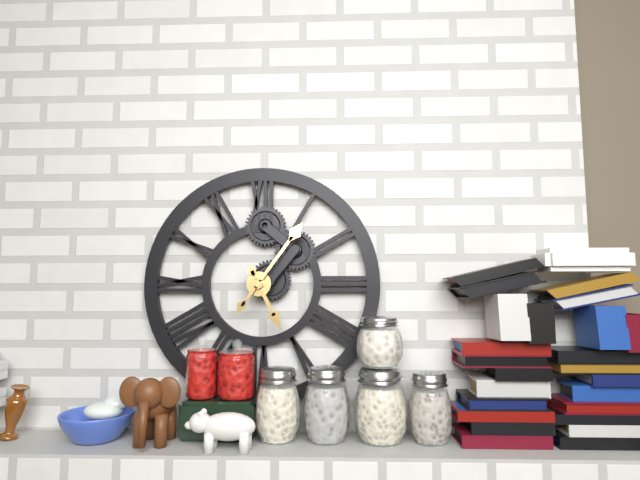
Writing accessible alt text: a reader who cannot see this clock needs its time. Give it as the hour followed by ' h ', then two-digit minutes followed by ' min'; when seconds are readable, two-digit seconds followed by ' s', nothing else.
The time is 5 h 06 min
